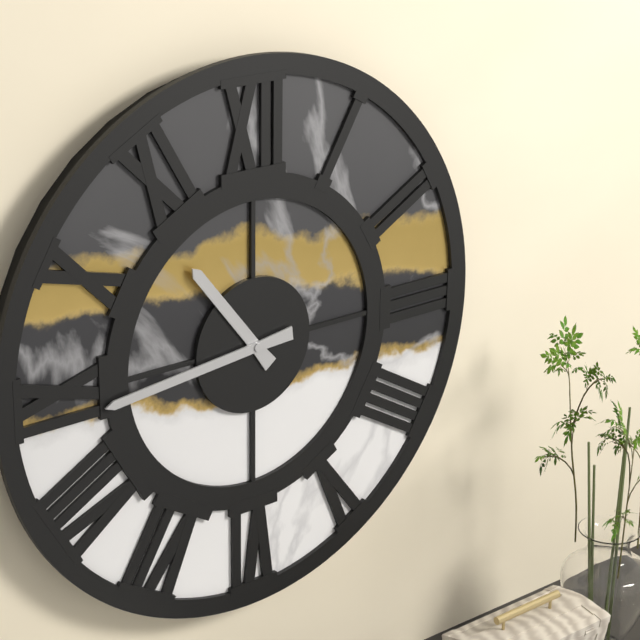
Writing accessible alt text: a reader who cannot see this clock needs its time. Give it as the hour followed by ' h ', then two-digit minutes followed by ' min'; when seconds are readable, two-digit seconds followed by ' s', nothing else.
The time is 10 h 44 min
